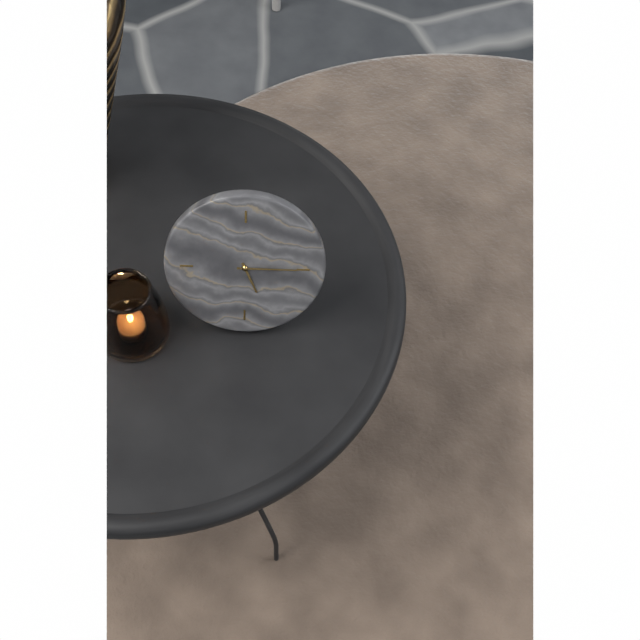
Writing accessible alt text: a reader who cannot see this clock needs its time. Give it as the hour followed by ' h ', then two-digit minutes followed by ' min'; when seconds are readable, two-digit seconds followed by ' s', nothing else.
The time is 5 h 15 min
